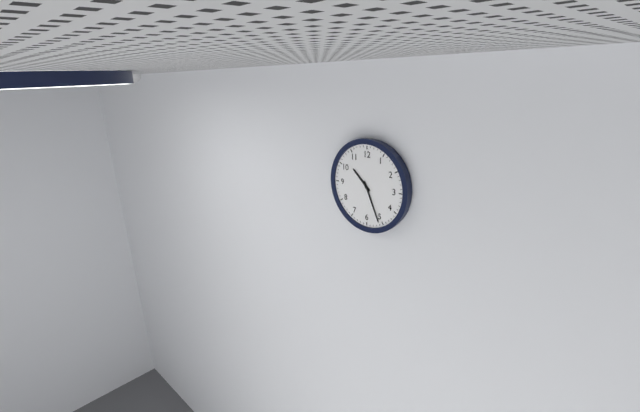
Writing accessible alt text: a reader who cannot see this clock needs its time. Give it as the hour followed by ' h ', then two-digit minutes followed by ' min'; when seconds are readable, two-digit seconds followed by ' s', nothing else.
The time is 10 h 26 min
